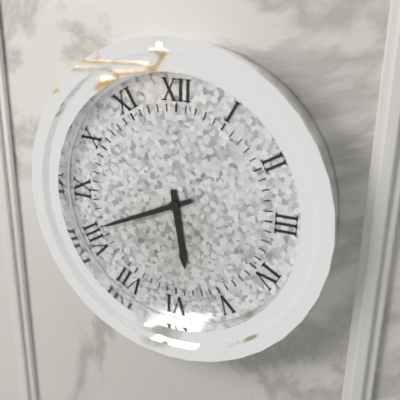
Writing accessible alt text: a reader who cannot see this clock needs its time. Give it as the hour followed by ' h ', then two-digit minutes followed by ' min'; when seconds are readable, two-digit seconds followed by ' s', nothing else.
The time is 5 h 41 min
